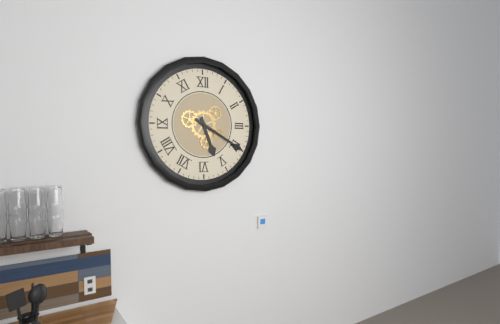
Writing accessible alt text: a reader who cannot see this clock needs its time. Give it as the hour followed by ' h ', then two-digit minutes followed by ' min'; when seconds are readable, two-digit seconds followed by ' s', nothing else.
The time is 5 h 20 min
